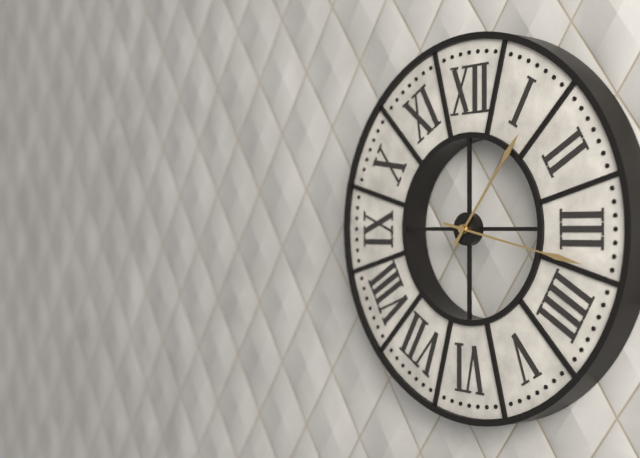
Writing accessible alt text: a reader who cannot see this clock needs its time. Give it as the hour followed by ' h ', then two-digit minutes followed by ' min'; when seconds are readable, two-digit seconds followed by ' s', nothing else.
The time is 1 h 17 min
